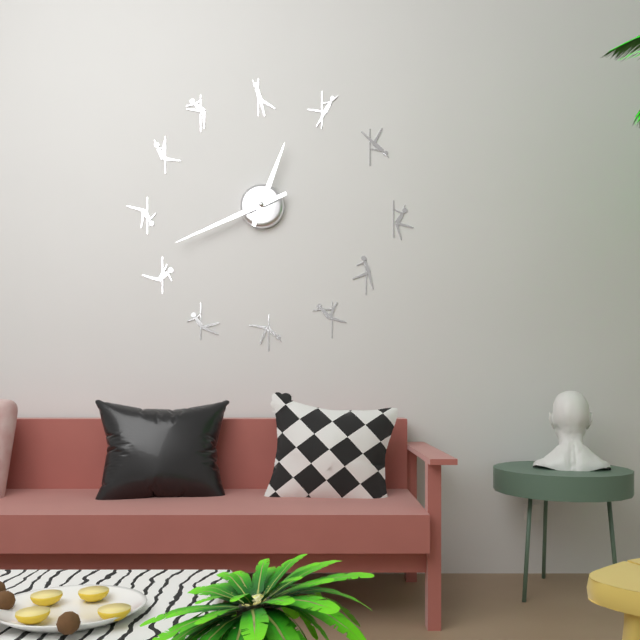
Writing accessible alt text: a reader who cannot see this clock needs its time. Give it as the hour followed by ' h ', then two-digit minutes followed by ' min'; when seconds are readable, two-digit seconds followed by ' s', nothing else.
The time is 12 h 41 min
